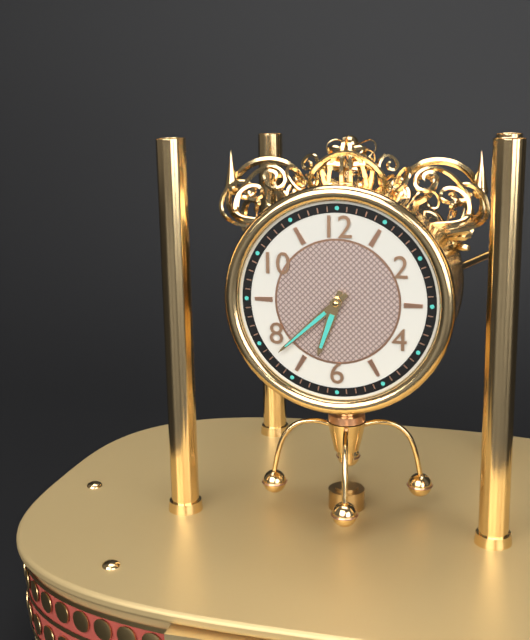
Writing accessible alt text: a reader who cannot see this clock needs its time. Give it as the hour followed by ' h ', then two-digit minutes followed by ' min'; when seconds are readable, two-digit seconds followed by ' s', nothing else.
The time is 6 h 38 min
